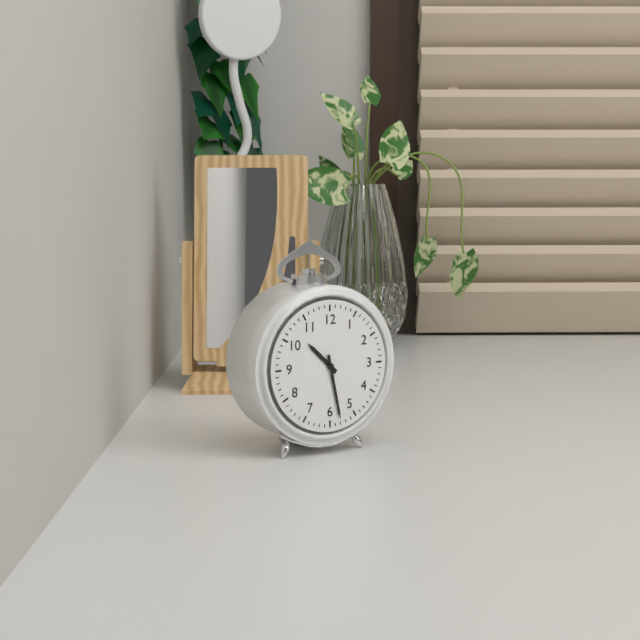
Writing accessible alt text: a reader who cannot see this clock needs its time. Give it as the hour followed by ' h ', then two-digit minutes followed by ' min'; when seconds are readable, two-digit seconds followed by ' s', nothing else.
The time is 10 h 28 min
